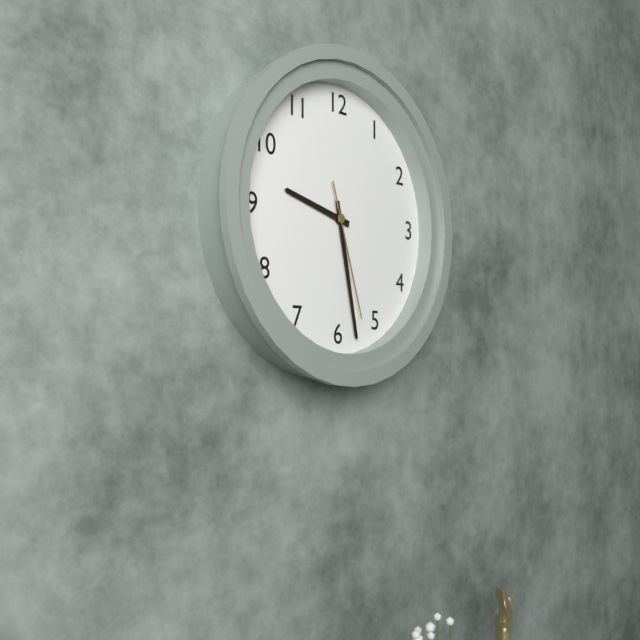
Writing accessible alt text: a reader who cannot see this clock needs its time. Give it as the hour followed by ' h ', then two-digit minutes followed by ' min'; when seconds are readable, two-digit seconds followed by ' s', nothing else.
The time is 9 h 28 min 27 s
